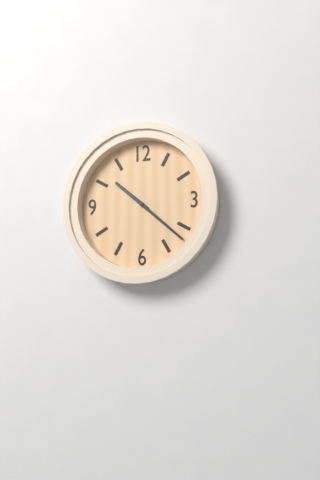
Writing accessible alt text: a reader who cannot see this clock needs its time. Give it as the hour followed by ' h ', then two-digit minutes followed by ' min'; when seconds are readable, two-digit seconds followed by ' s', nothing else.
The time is 10 h 22 min
